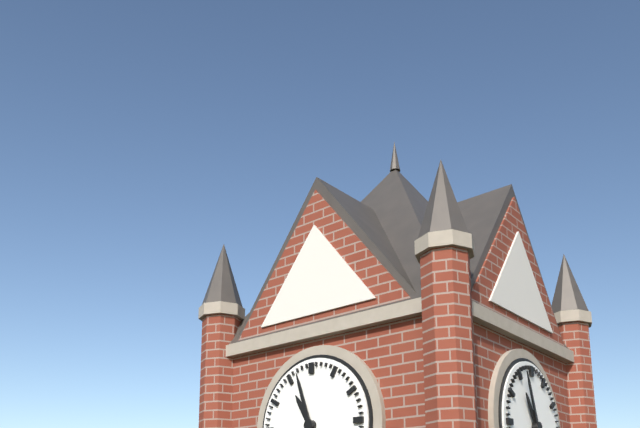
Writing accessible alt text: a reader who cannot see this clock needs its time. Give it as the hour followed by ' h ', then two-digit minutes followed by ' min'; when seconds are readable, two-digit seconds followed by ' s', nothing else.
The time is 10 h 57 min
